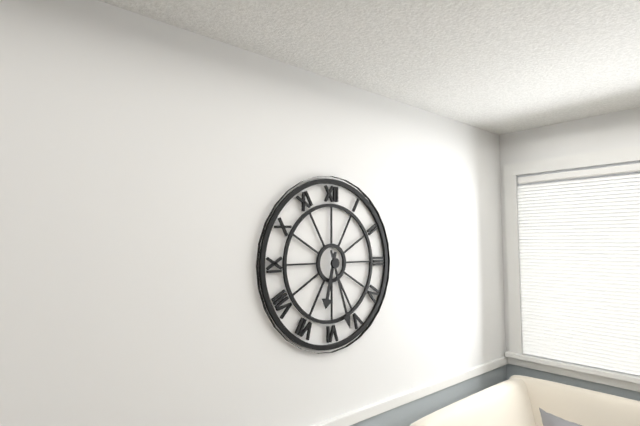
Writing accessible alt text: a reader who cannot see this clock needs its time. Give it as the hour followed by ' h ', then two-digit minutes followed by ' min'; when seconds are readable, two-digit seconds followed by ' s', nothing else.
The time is 6 h 27 min
